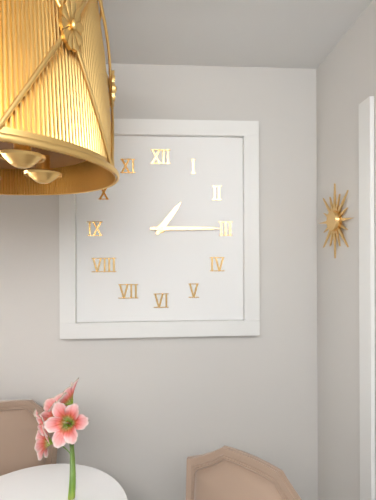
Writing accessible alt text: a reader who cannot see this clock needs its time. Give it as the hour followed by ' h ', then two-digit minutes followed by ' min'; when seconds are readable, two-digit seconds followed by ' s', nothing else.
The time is 1 h 15 min
